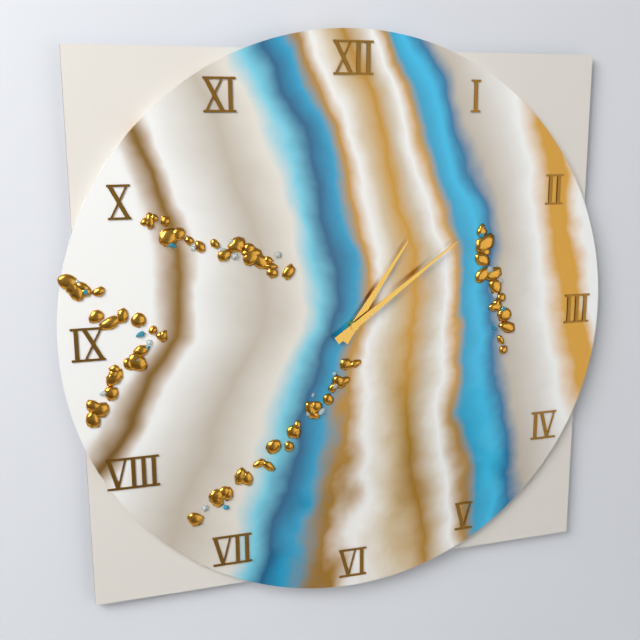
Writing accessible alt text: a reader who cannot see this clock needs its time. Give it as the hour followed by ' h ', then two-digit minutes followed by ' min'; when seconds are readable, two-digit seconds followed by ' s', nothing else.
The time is 1 h 09 min
